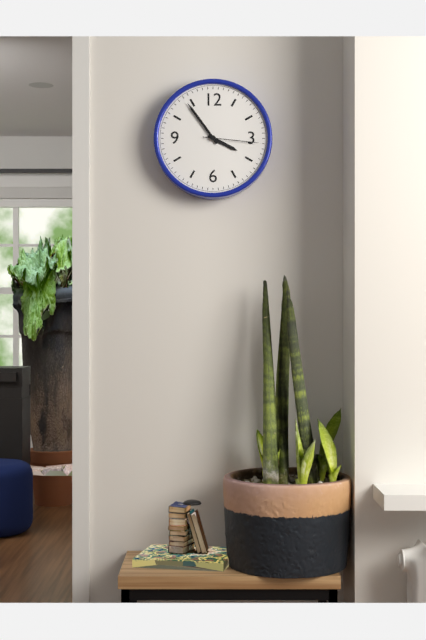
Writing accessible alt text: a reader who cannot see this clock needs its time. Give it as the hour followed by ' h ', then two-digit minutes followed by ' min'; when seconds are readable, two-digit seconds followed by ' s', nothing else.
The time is 3 h 54 min 16 s
